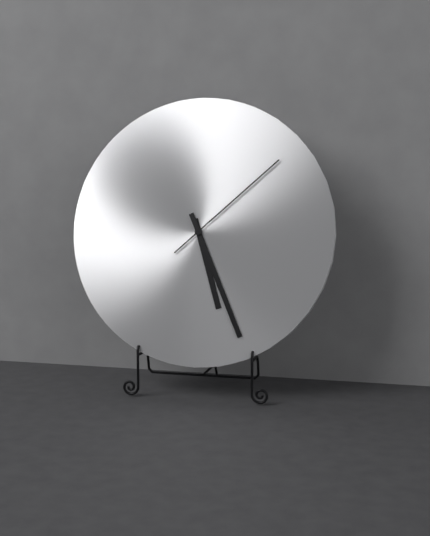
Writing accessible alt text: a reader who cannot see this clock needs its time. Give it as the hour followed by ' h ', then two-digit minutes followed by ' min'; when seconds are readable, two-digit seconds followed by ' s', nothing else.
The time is 5 h 26 min 08 s
